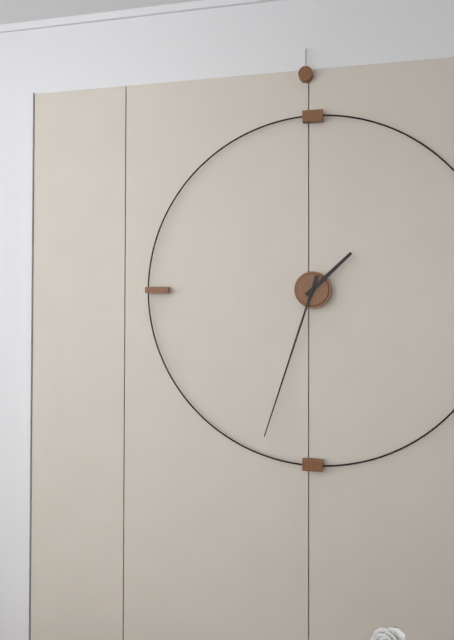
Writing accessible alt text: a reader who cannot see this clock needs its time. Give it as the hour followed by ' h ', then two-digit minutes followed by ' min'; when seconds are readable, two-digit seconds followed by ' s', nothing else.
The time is 1 h 33 min
